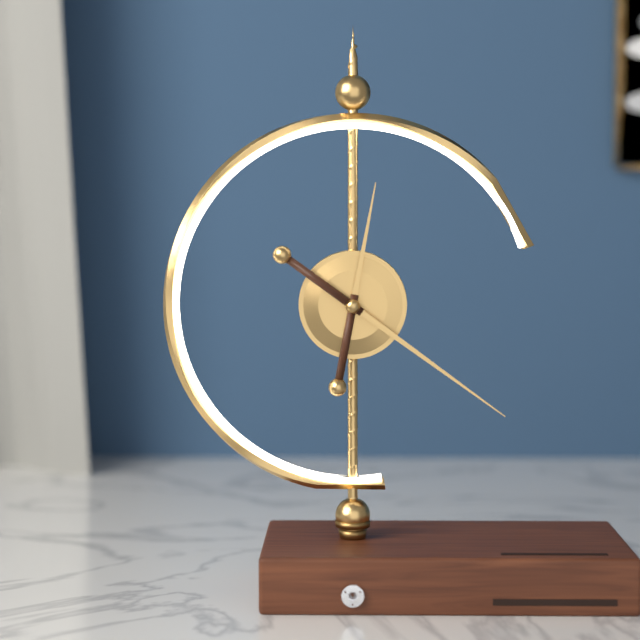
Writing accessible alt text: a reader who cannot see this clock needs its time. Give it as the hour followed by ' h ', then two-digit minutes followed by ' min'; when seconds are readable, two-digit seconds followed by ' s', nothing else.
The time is 12 h 21 min
